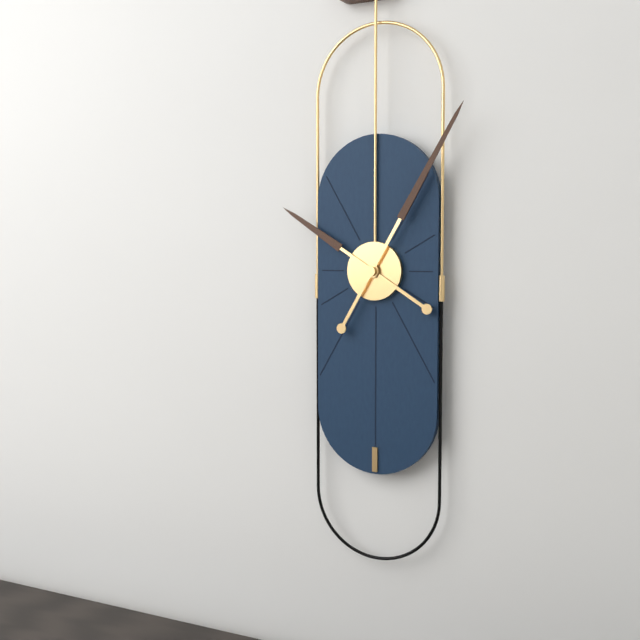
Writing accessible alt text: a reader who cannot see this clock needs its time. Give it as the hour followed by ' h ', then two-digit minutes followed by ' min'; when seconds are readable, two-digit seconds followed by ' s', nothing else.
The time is 10 h 05 min
